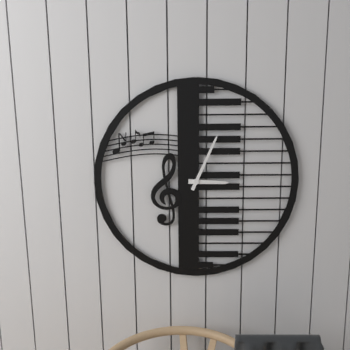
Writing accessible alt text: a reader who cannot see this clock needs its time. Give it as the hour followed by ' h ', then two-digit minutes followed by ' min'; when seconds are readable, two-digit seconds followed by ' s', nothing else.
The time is 3 h 04 min
